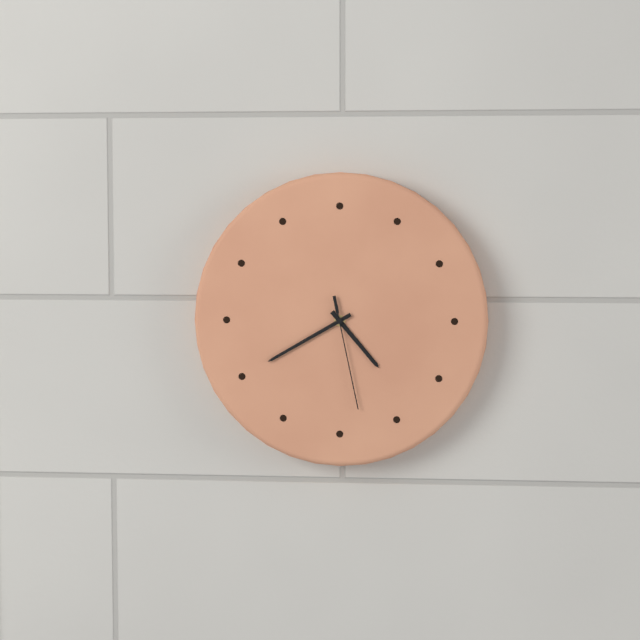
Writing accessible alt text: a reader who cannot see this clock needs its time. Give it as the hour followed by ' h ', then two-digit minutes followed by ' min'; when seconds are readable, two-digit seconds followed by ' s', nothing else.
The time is 4 h 40 min 28 s
